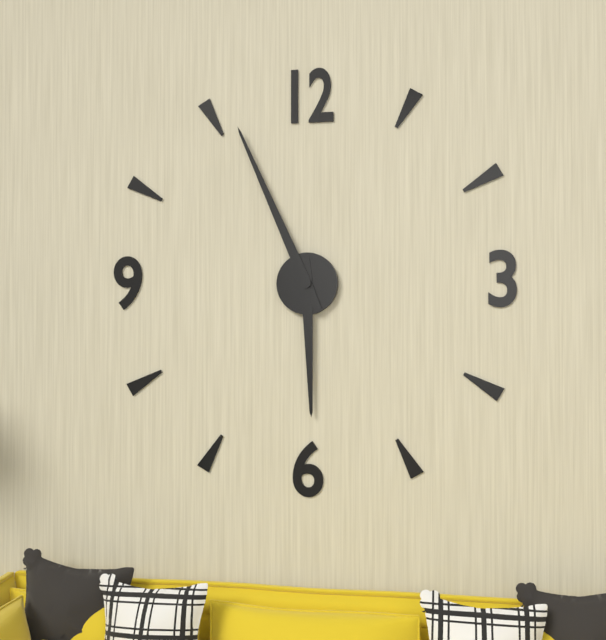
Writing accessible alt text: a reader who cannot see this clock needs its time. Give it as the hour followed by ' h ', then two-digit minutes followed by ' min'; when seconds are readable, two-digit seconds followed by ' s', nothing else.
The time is 5 h 56 min
